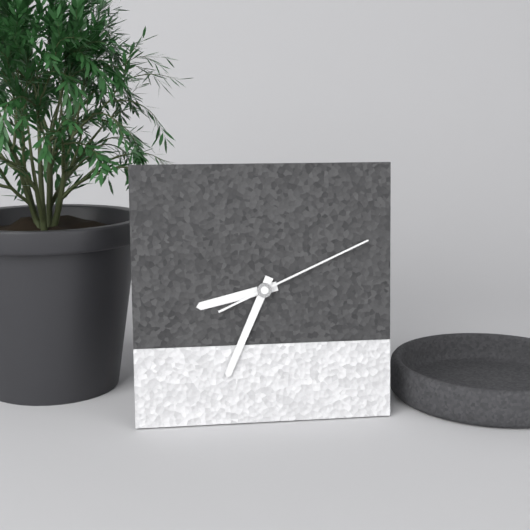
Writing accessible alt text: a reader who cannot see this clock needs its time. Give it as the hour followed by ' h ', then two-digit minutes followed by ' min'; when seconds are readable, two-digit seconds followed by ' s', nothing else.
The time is 8 h 34 min 11 s
